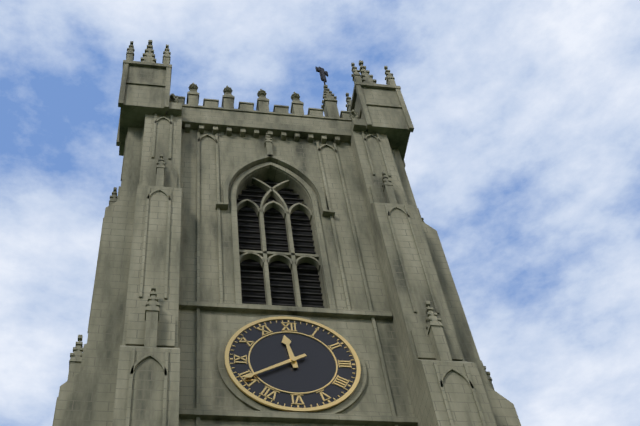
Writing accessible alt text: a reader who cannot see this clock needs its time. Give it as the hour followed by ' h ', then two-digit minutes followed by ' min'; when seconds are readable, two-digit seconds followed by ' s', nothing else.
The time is 11 h 40 min
